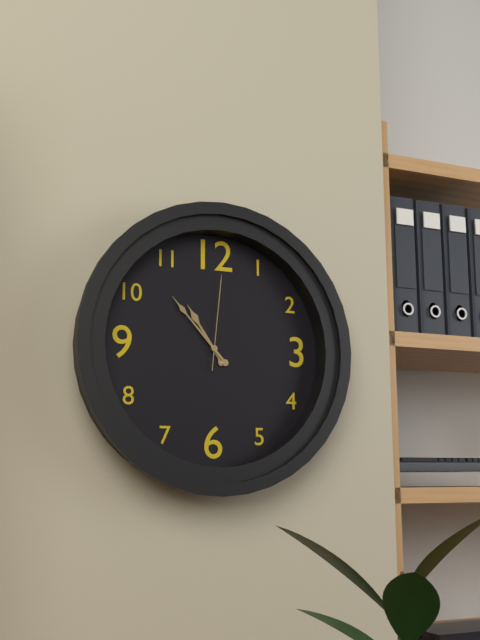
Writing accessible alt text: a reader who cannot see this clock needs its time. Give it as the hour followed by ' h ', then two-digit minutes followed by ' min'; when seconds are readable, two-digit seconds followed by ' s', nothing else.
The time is 10 h 53 min 01 s
